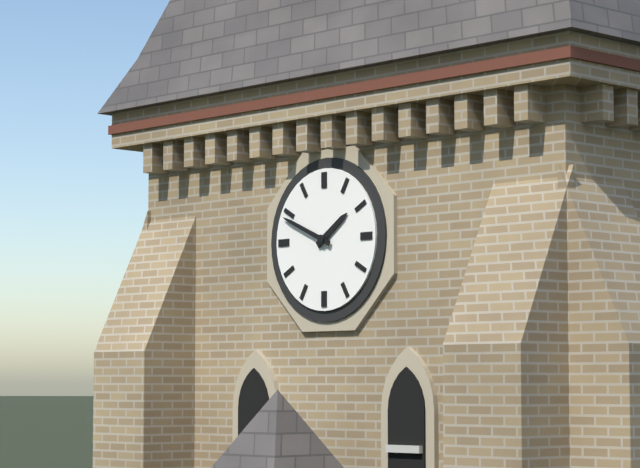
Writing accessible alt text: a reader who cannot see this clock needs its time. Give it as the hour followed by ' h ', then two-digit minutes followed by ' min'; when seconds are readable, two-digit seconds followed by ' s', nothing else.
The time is 1 h 49 min
